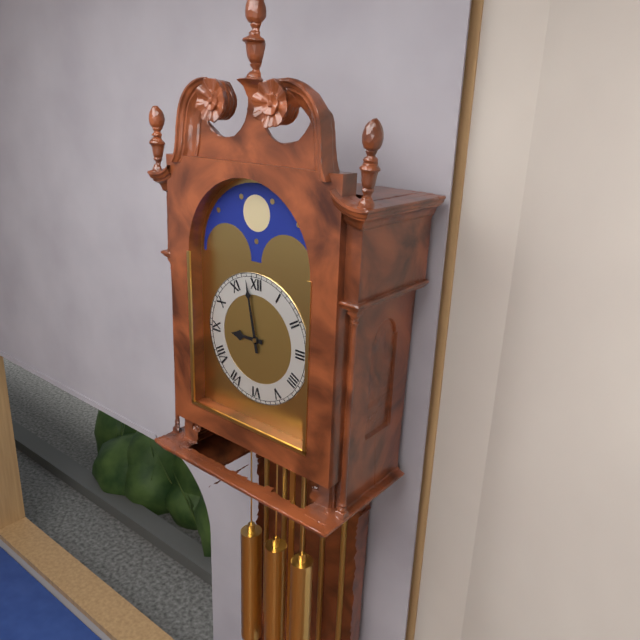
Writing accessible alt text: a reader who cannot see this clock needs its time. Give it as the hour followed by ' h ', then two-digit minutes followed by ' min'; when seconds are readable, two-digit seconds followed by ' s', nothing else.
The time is 8 h 58 min
